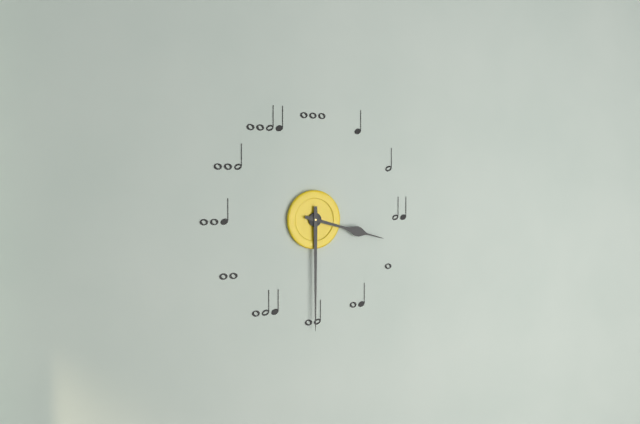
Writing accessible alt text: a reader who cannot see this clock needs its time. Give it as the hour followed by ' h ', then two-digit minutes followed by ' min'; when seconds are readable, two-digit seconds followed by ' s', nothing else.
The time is 3 h 30 min
